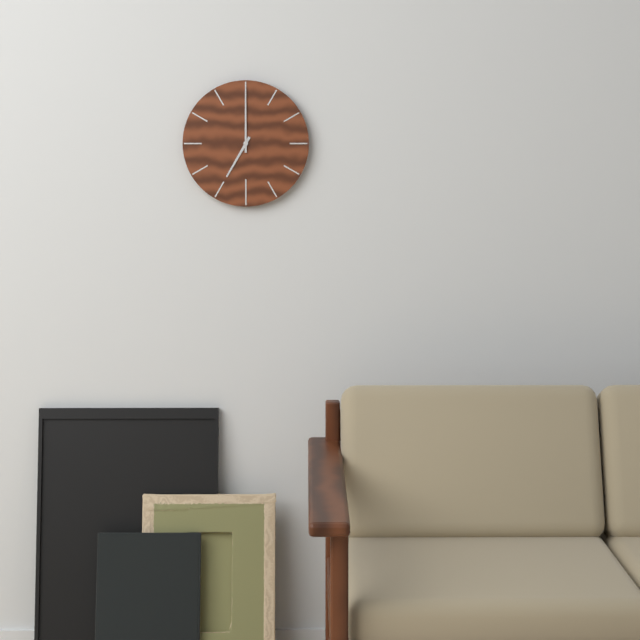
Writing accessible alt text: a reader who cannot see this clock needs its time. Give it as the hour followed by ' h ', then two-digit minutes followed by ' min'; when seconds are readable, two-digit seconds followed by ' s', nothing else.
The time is 7 h 00 min
